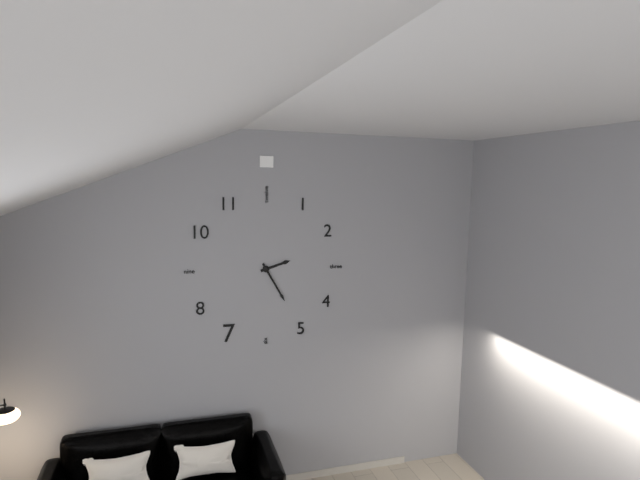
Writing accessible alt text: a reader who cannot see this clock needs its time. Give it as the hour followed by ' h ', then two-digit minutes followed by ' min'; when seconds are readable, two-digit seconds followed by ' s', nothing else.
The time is 2 h 25 min
